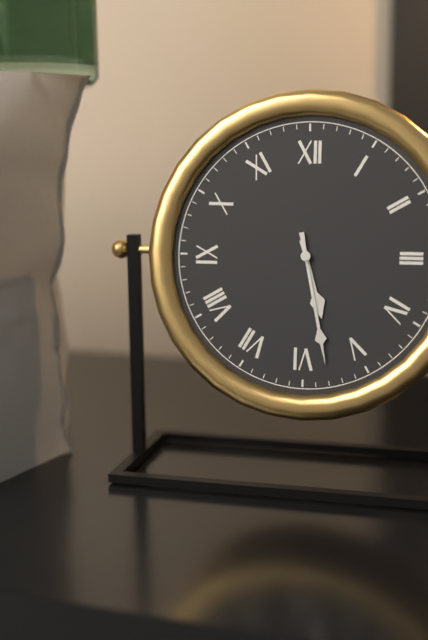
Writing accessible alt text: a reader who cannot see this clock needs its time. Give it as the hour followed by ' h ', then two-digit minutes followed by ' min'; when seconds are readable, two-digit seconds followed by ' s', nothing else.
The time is 5 h 28 min
